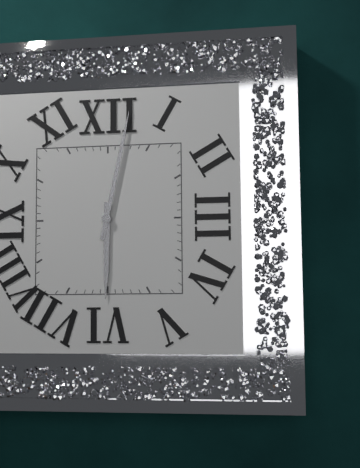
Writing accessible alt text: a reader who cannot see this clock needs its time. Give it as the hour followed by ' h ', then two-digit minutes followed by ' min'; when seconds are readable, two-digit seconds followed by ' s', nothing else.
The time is 6 h 02 min
